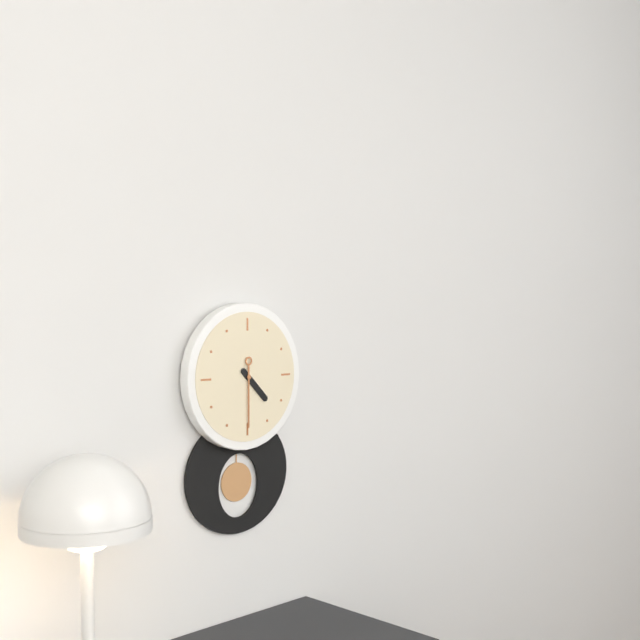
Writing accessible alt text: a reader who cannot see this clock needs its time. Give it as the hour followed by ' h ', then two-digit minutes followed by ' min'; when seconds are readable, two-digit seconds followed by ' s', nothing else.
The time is 4 h 30 min
